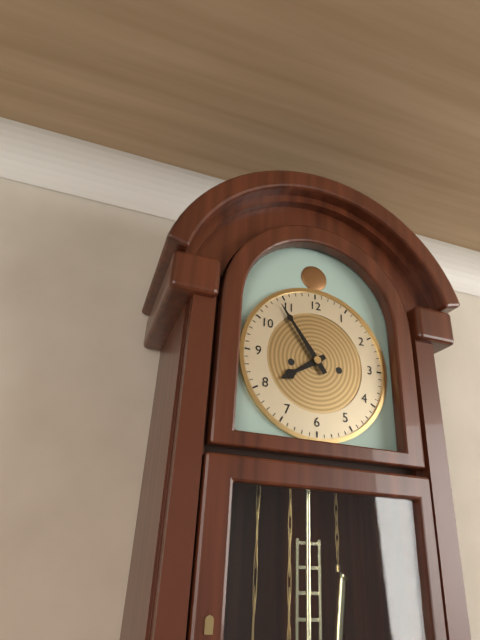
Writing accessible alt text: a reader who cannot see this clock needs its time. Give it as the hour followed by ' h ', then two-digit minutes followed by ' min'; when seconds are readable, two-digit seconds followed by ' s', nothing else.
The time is 7 h 54 min
